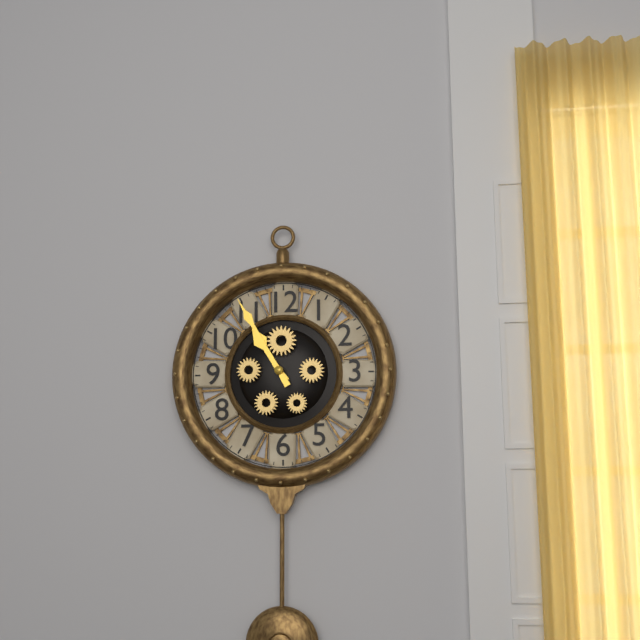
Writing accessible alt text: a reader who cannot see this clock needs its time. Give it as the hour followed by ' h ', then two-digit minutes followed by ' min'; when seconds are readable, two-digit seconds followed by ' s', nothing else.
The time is 10 h 55 min
